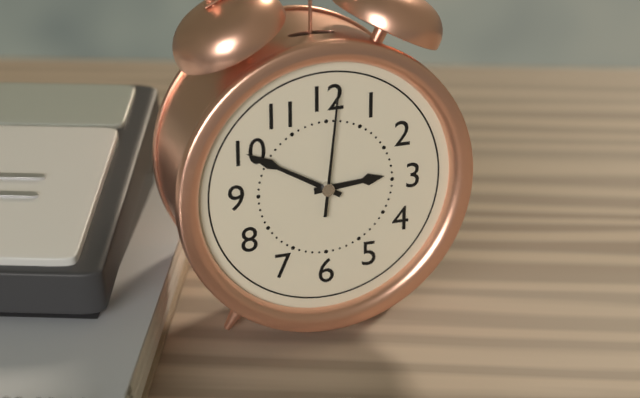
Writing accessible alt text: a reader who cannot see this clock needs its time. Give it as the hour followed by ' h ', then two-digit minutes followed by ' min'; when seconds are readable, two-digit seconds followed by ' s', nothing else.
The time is 2 h 50 min 01 s
